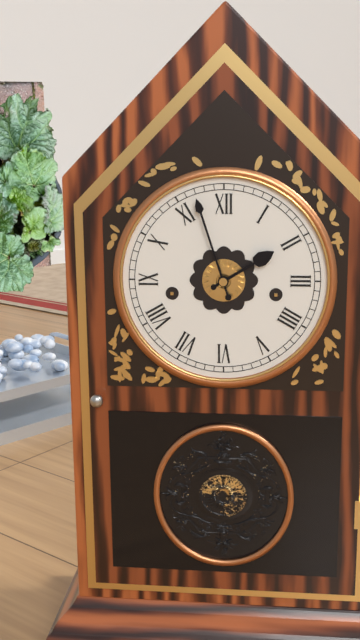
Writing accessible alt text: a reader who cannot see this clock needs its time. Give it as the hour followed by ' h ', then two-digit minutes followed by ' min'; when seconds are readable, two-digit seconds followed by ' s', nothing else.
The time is 1 h 57 min
